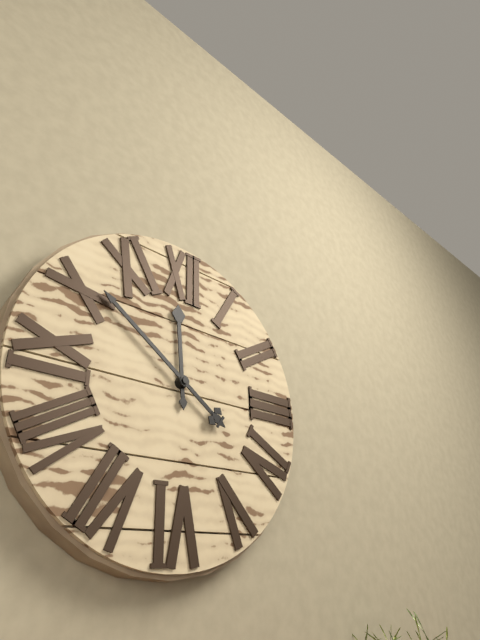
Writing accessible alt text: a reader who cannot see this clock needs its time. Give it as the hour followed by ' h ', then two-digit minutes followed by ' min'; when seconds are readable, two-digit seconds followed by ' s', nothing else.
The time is 11 h 51 min
